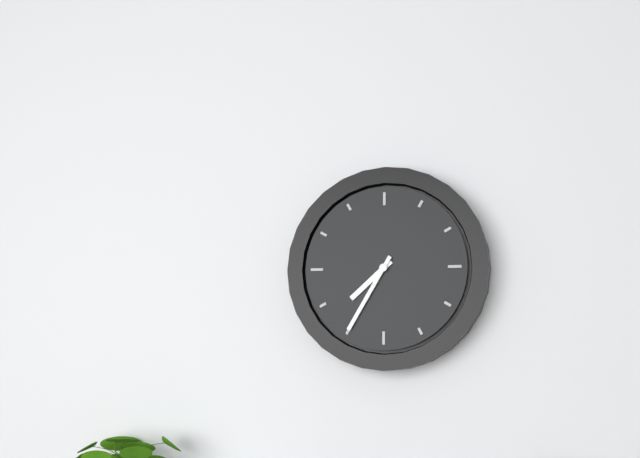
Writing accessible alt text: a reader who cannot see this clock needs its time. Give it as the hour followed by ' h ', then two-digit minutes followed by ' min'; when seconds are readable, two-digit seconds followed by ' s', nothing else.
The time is 7 h 35 min
